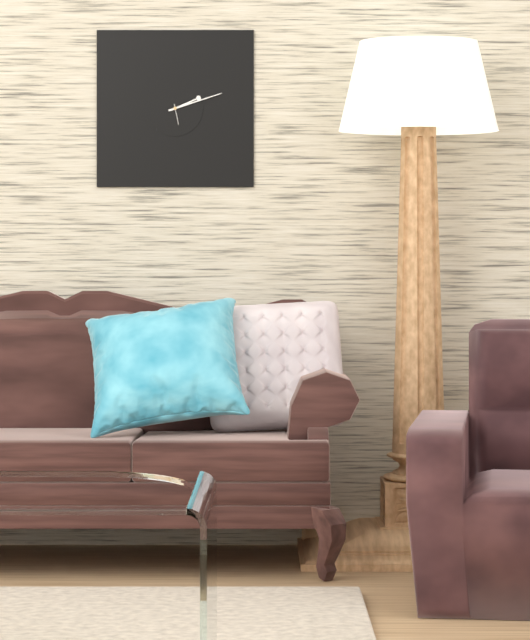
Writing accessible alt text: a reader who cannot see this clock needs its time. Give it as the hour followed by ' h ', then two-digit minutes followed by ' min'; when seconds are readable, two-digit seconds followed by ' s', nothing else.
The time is 2 h 12 min
